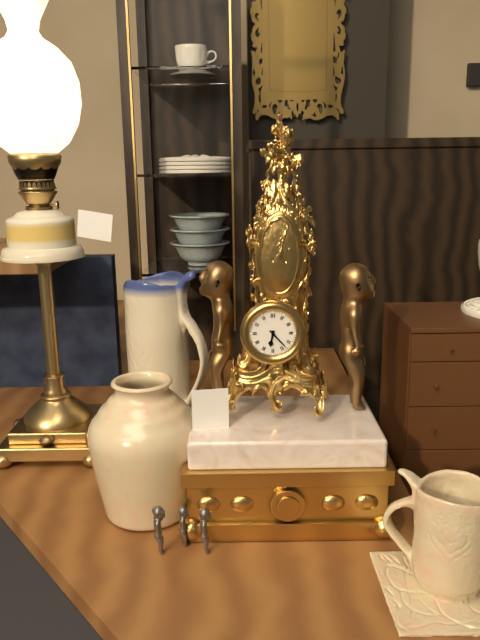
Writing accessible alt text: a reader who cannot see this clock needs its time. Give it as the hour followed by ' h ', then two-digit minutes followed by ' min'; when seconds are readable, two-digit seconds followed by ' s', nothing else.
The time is 6 h 23 min
